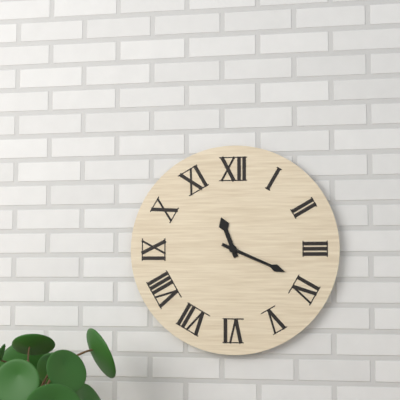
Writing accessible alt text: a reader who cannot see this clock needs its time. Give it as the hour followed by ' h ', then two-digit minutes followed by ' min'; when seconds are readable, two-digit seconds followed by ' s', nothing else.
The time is 11 h 19 min
